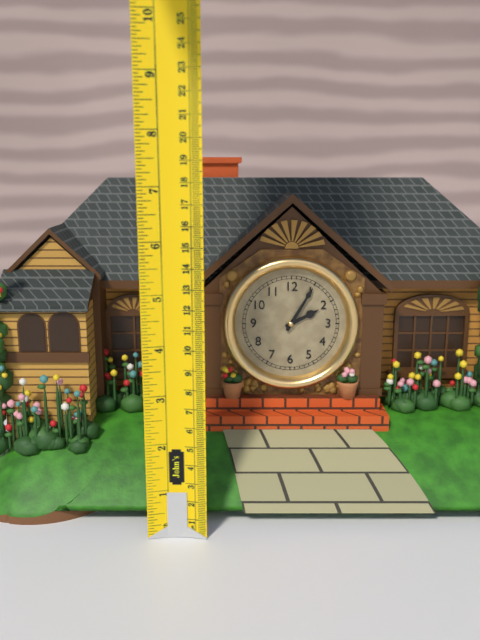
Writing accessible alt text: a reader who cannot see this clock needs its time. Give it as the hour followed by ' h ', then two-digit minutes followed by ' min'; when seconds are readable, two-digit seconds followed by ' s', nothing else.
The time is 2 h 05 min
